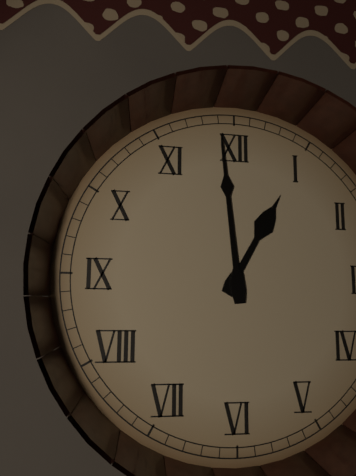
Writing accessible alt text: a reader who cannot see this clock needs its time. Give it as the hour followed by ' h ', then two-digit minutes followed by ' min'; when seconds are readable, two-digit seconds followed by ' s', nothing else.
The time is 12 h 59 min
